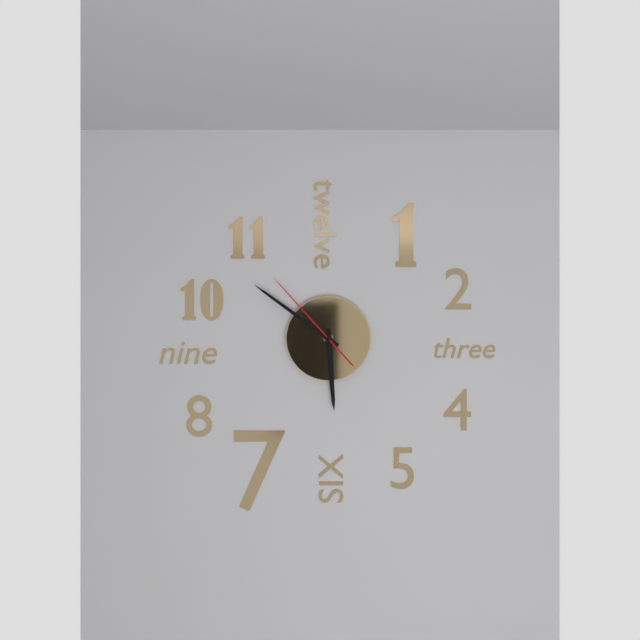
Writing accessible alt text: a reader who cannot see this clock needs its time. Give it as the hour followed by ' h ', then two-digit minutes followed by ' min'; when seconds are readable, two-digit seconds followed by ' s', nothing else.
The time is 5 h 51 min 53 s
